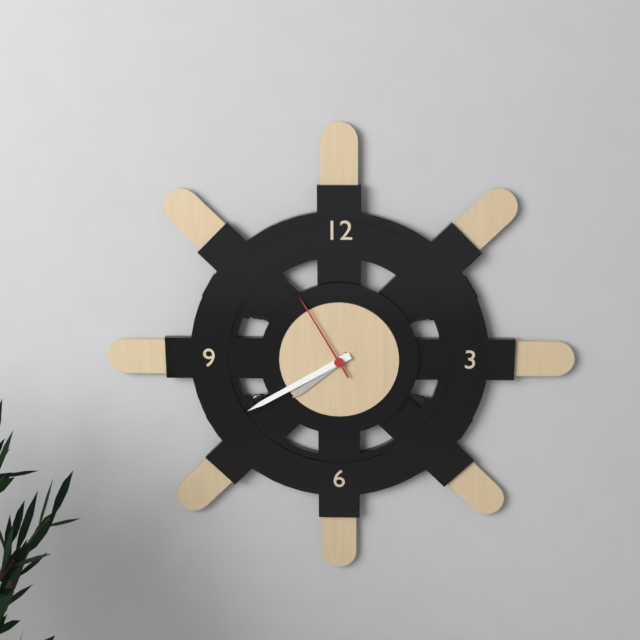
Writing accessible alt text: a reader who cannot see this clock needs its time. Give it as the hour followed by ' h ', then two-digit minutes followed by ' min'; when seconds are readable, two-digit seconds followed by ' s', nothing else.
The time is 7 h 40 min 55 s
